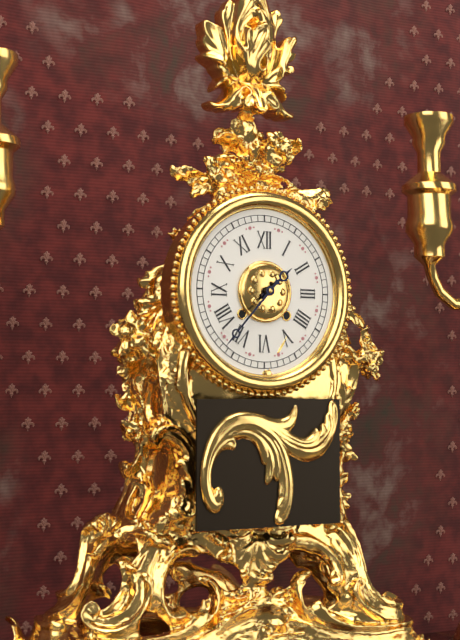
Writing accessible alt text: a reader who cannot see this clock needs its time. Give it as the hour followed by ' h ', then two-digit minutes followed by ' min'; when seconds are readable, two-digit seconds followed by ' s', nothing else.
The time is 1 h 37 min
